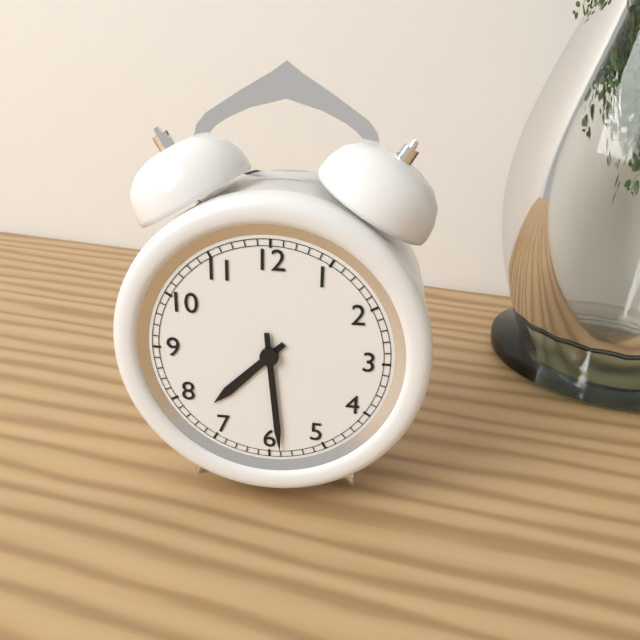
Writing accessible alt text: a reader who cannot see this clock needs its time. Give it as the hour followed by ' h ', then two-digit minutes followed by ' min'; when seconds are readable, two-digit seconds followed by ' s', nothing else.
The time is 7 h 29 min
